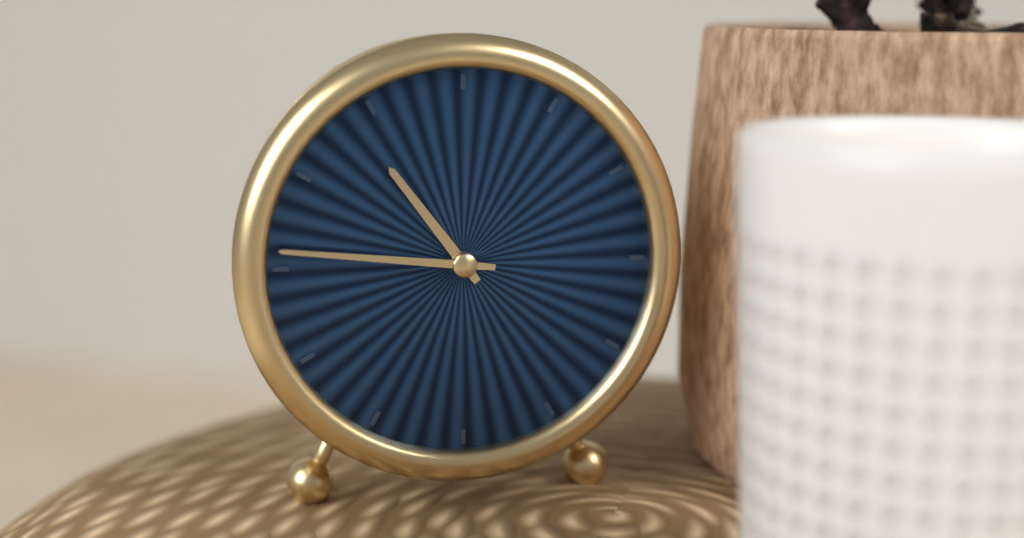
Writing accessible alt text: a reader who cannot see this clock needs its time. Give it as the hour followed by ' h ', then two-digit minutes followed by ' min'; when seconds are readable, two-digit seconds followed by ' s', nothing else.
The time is 10 h 46 min
